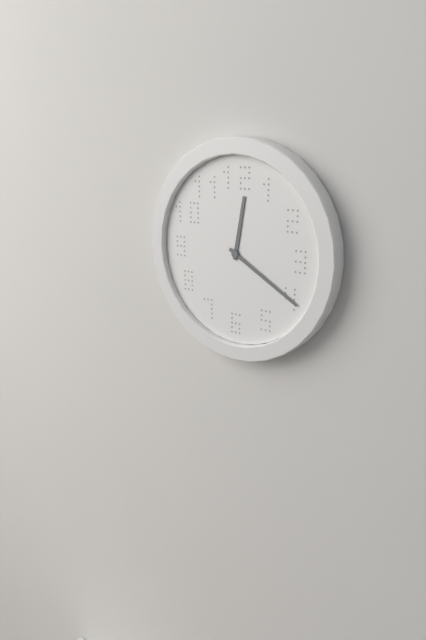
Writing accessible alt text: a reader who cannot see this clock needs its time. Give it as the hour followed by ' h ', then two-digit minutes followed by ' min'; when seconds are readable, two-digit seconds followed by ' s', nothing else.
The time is 12 h 20 min
